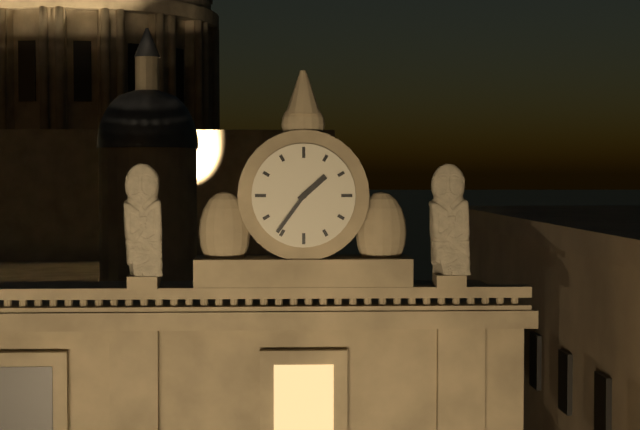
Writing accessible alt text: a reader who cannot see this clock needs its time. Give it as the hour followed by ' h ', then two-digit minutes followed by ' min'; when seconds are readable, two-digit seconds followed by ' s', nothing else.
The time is 1 h 36 min
